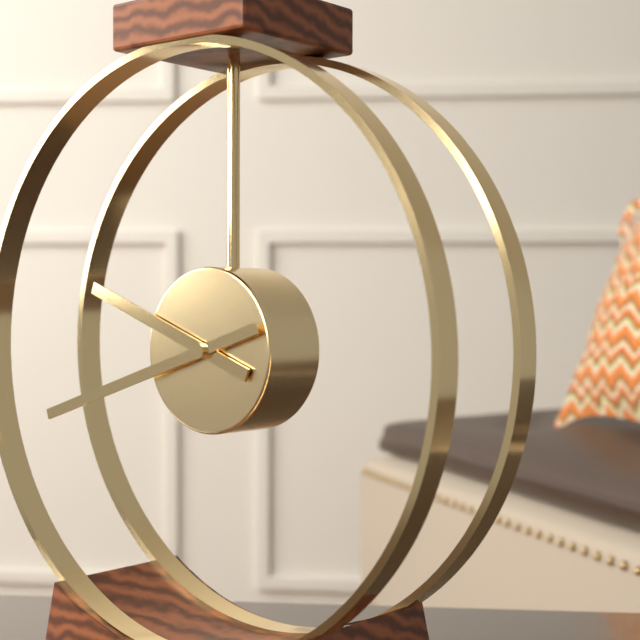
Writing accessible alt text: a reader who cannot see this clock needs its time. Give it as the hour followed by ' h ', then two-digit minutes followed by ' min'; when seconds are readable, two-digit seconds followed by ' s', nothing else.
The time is 9 h 42 min
